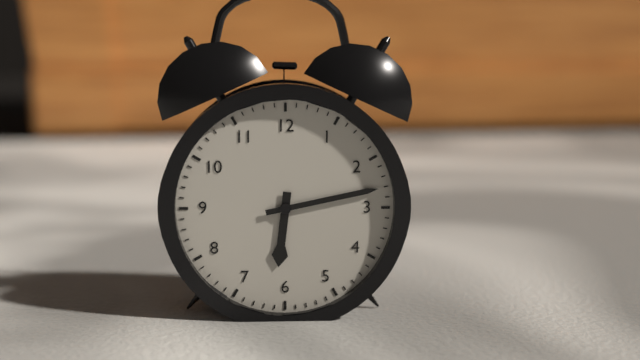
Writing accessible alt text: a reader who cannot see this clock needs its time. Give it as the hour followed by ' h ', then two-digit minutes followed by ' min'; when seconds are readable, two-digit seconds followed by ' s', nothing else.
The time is 6 h 13 min
